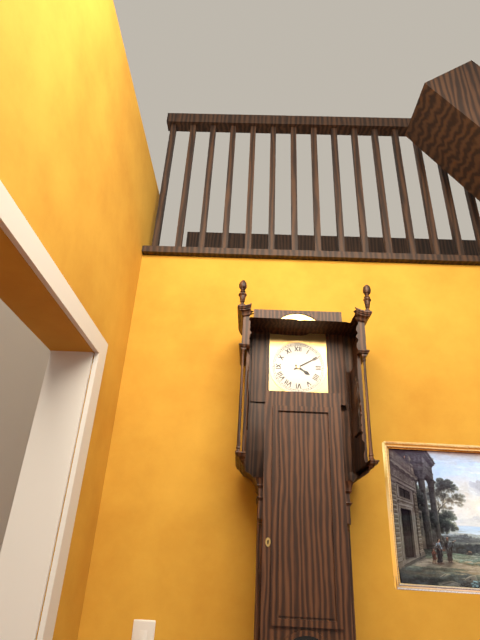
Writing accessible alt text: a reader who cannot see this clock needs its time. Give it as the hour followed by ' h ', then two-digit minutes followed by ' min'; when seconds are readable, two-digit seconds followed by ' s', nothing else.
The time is 4 h 10 min
